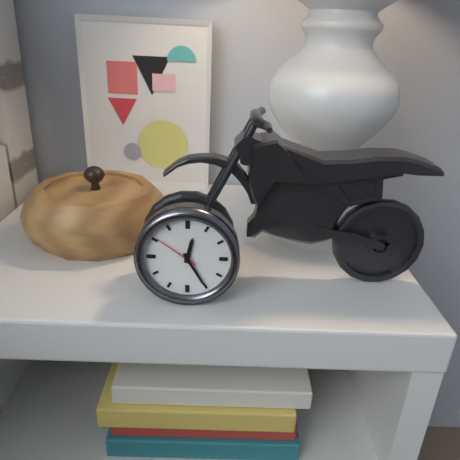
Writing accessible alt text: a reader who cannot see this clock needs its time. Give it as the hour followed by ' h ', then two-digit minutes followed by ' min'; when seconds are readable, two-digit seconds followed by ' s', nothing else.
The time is 12 h 25 min
